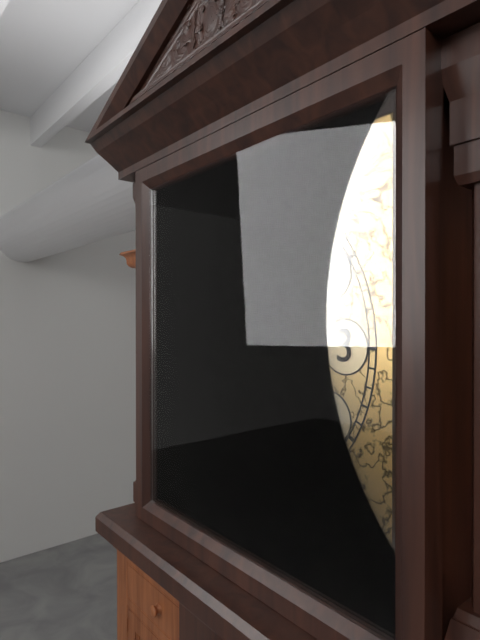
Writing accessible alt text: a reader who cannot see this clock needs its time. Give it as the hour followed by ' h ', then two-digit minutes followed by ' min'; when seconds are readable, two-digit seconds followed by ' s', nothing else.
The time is 3 h 23 min
